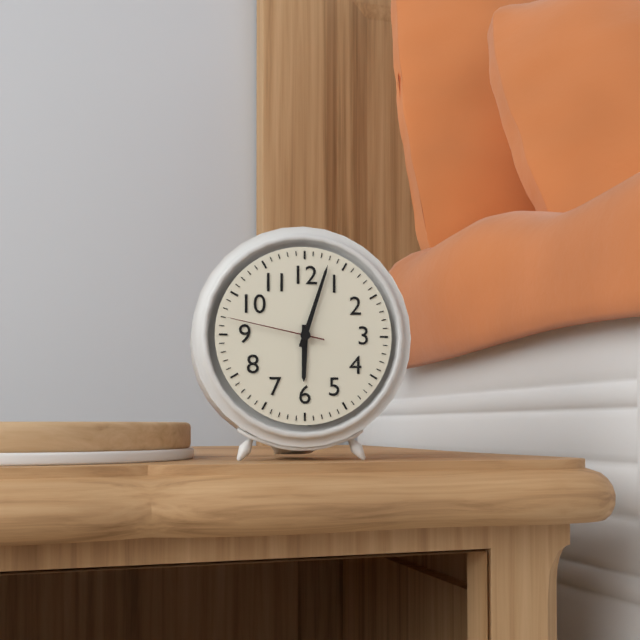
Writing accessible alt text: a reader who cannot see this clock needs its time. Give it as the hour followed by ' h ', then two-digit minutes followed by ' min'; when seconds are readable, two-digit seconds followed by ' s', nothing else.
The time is 6 h 03 min 47 s
